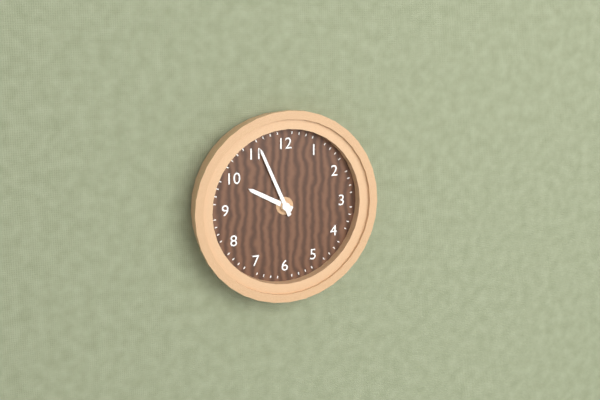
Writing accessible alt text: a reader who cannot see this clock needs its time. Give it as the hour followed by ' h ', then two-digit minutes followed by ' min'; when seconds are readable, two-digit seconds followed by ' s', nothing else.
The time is 9 h 56 min
